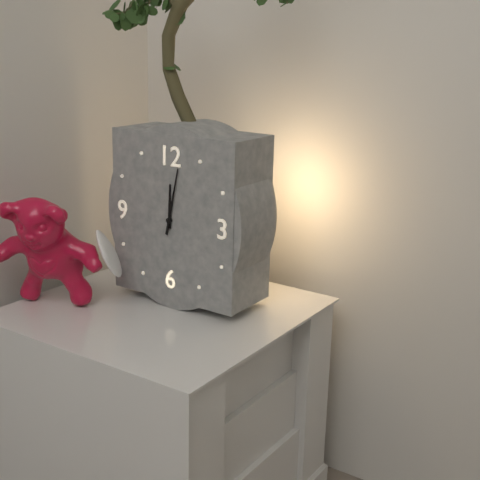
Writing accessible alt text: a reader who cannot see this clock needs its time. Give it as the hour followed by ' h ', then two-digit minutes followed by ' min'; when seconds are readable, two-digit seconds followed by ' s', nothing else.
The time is 12 h 02 min
